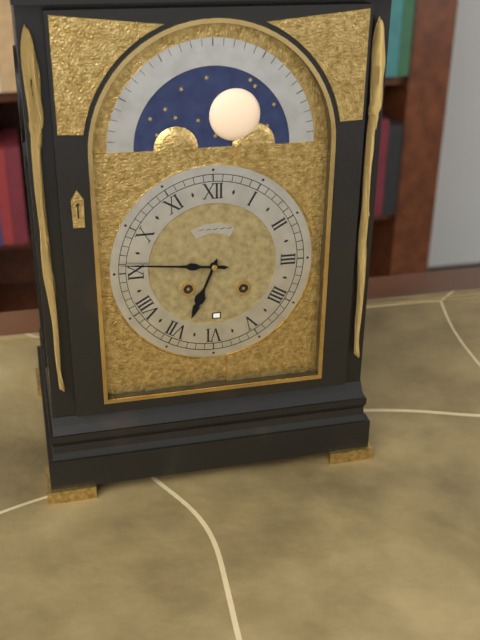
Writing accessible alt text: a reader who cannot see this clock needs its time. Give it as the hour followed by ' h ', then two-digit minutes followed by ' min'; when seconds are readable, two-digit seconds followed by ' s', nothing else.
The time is 6 h 46 min
